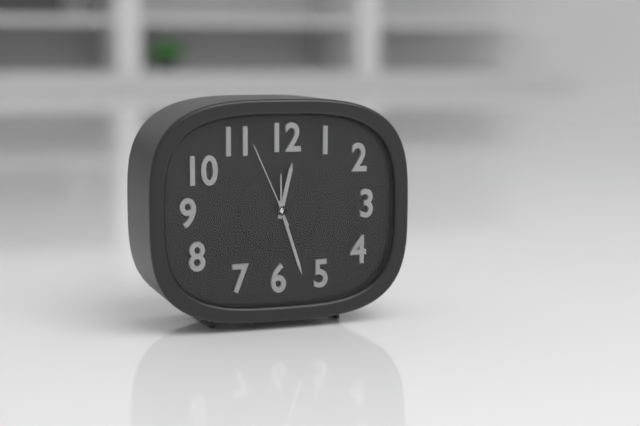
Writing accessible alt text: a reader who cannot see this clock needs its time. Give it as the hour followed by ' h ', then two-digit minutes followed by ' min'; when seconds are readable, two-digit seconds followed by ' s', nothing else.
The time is 12 h 27 min 56 s
